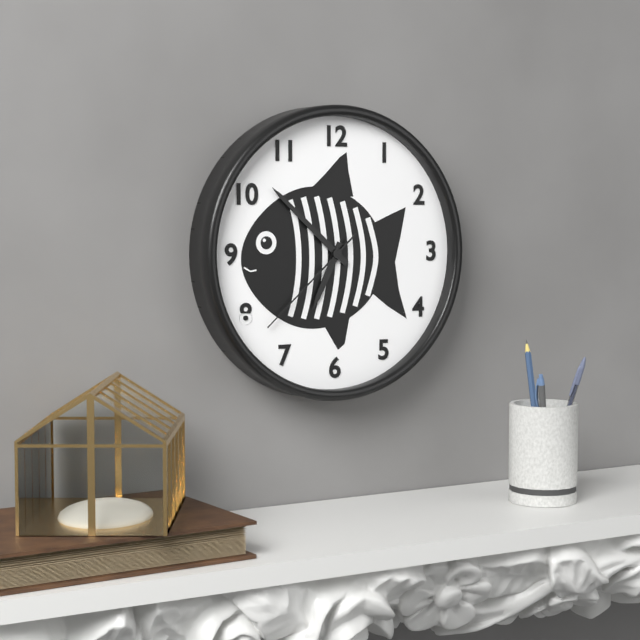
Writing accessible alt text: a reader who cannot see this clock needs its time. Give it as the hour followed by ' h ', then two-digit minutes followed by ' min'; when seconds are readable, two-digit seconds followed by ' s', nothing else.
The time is 6 h 52 min 38 s
